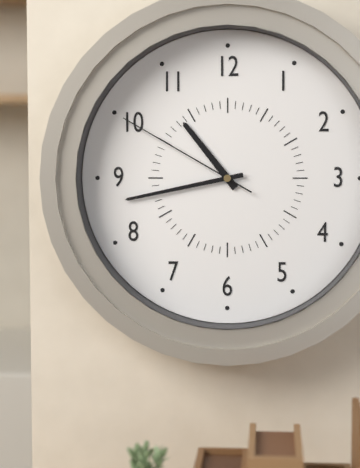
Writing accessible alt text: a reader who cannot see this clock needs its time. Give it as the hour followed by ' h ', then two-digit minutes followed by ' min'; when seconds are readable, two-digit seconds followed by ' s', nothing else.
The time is 10 h 43 min 50 s
